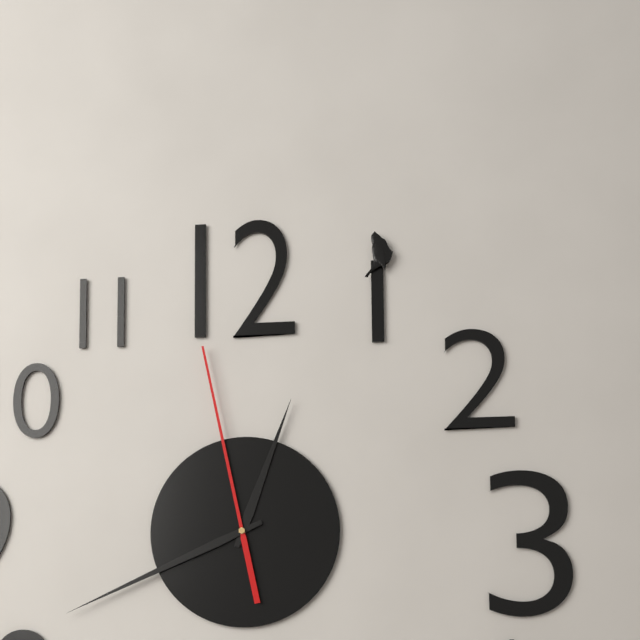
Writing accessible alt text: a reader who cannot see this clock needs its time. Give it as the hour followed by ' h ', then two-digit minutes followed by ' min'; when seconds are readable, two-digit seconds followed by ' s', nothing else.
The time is 12 h 41 min 58 s
